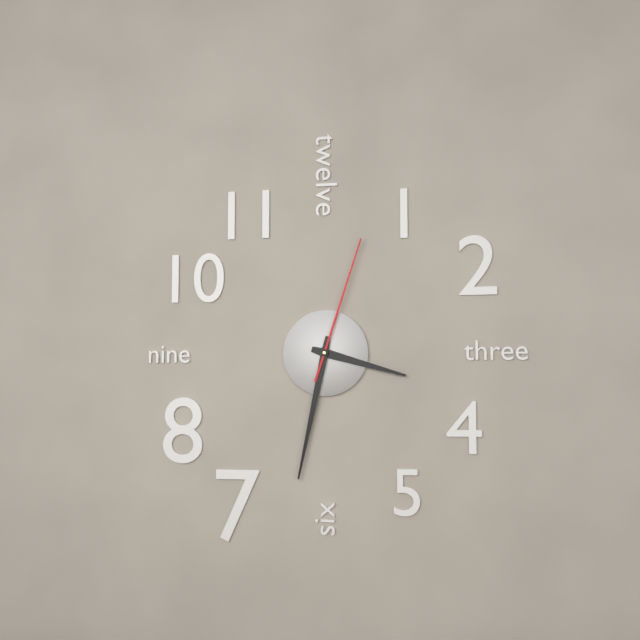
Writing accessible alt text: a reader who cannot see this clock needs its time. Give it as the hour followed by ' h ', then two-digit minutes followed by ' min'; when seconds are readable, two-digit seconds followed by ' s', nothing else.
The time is 3 h 32 min 03 s
